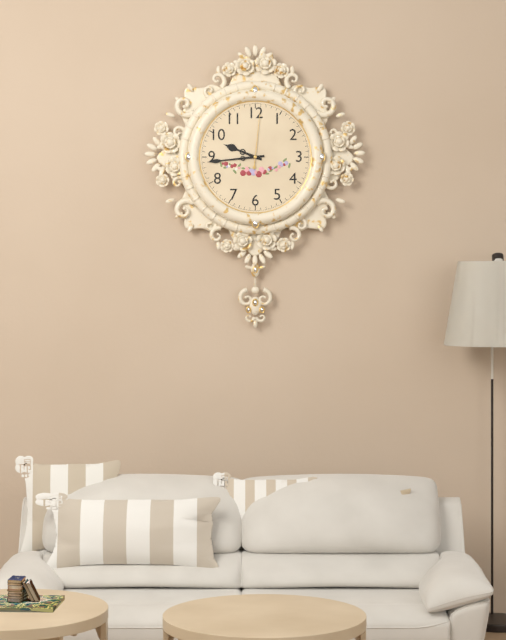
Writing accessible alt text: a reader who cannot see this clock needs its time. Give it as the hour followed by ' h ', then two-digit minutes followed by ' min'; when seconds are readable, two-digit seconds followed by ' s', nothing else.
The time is 9 h 44 min 01 s
